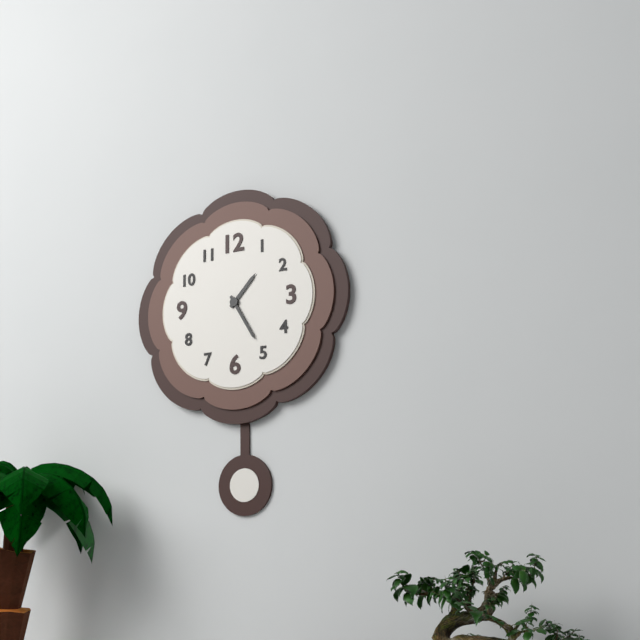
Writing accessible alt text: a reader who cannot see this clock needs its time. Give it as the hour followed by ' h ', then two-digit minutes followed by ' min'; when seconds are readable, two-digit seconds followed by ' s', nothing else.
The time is 1 h 25 min
